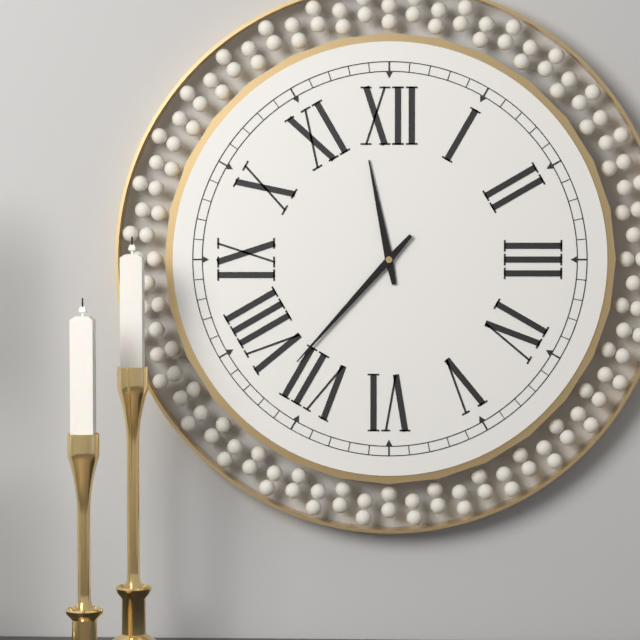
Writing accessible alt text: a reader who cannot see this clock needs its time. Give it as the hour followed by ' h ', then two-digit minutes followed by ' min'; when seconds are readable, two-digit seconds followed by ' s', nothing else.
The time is 11 h 37 min
